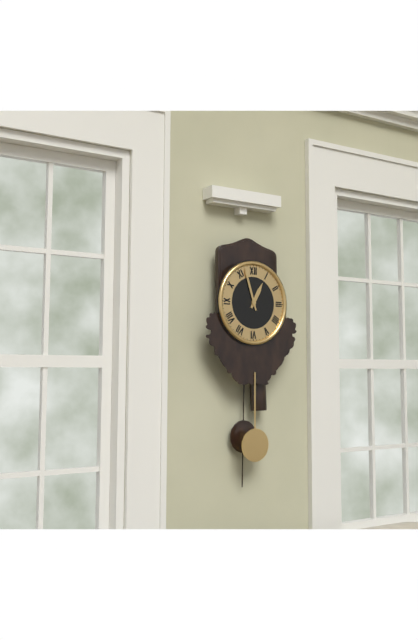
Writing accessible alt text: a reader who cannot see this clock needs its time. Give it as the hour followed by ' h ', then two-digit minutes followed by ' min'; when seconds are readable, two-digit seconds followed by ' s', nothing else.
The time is 12 h 57 min
